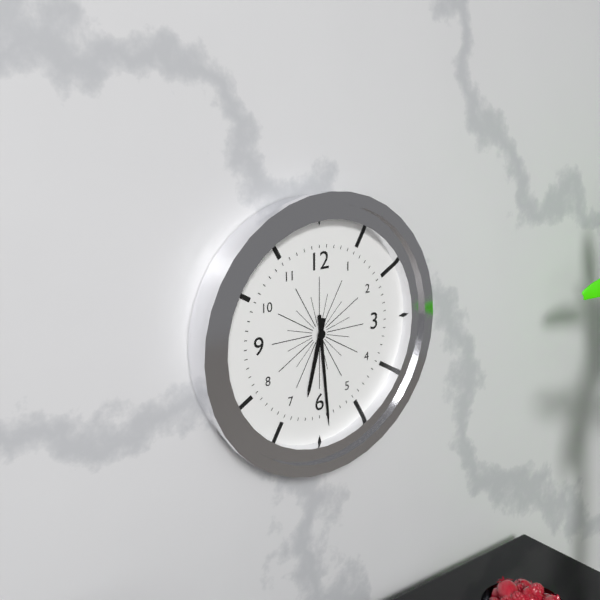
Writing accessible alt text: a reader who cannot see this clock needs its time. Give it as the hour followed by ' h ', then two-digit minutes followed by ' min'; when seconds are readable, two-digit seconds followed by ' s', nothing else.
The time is 6 h 29 min
